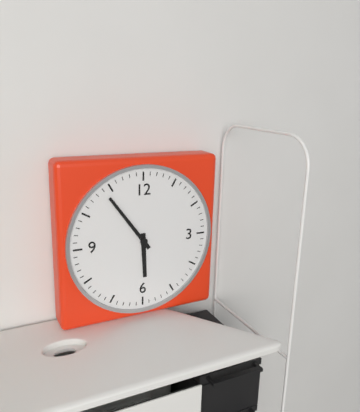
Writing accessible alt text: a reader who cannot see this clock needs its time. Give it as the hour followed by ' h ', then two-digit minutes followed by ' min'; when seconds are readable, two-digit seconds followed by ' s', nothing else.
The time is 5 h 54 min
